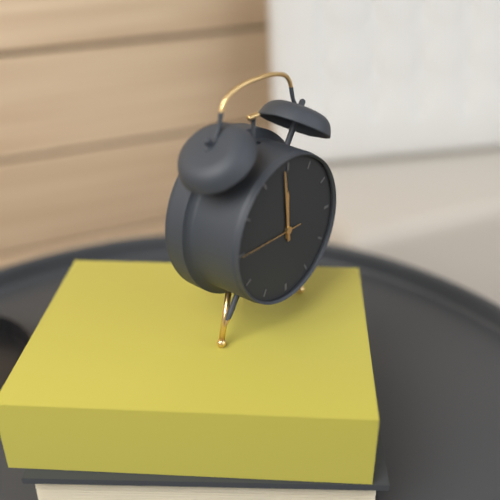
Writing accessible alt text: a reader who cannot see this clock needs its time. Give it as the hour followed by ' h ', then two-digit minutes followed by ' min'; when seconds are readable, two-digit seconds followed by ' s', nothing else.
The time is 11 h 59 min 45 s
